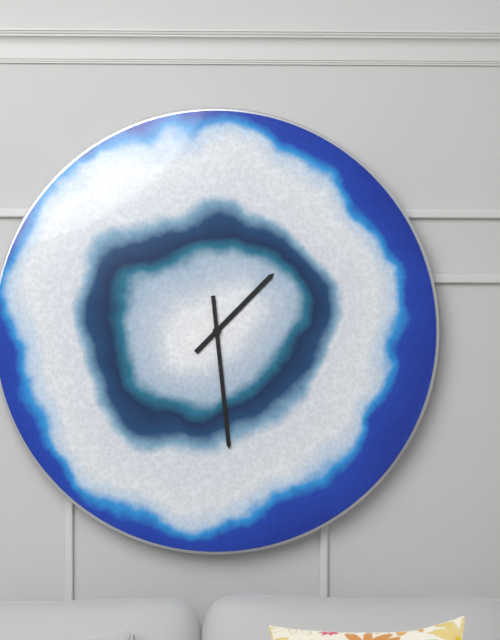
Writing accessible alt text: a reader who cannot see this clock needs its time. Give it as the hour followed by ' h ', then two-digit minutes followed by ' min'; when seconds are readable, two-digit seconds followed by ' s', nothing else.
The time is 1 h 29 min
